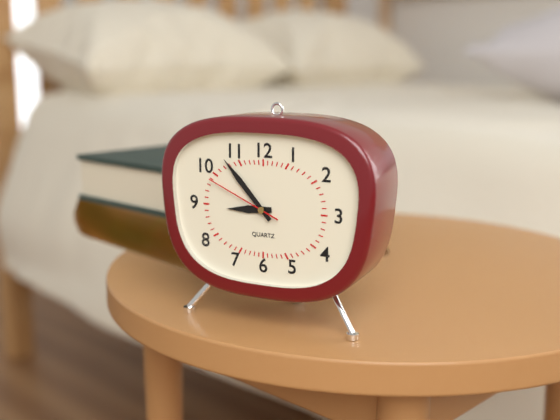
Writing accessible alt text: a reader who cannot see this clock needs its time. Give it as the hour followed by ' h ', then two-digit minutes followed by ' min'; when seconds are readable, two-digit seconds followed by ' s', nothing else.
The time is 8 h 53 min 49 s
